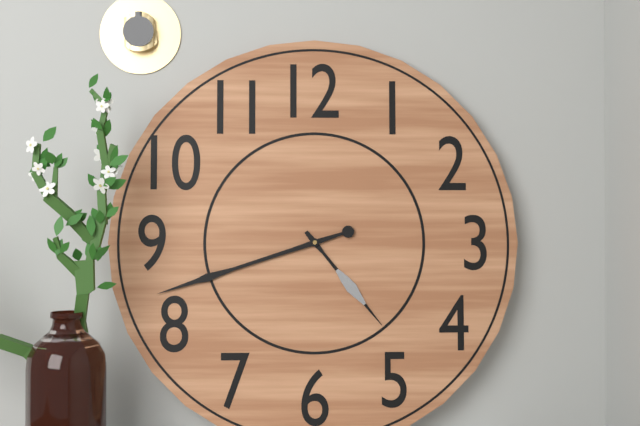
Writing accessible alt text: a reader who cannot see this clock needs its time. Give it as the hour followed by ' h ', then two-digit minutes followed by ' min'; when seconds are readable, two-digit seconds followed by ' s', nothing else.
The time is 4 h 42 min
